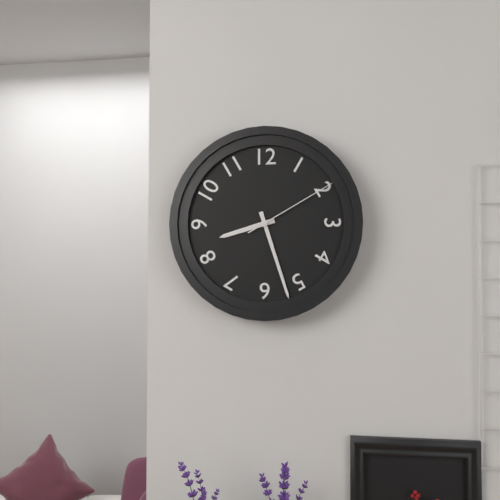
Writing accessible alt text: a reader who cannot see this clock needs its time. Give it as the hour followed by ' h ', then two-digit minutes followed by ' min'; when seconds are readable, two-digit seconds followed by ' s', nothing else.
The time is 8 h 27 min 10 s
